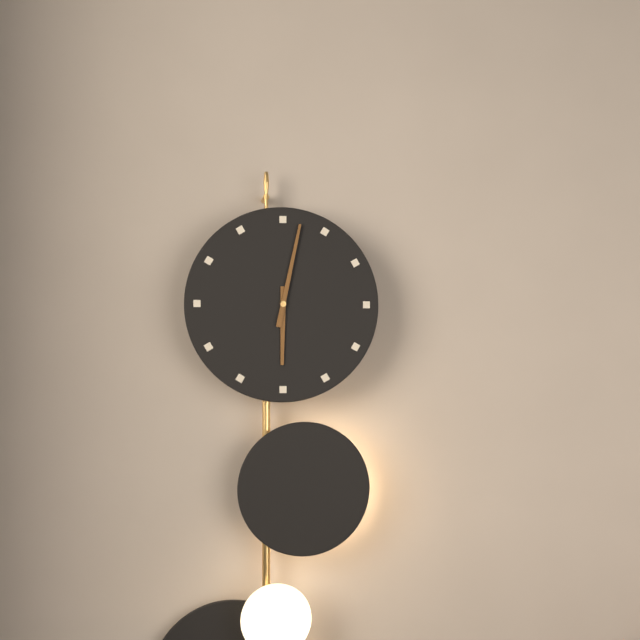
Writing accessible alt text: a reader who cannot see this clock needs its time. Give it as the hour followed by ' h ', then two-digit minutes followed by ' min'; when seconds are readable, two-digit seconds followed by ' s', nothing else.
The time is 6 h 02 min
